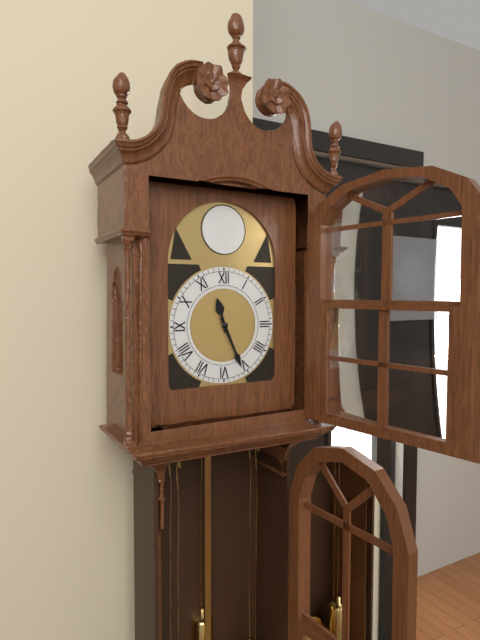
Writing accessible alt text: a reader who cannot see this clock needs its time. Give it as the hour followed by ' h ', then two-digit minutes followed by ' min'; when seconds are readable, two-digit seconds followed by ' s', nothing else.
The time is 11 h 26 min
